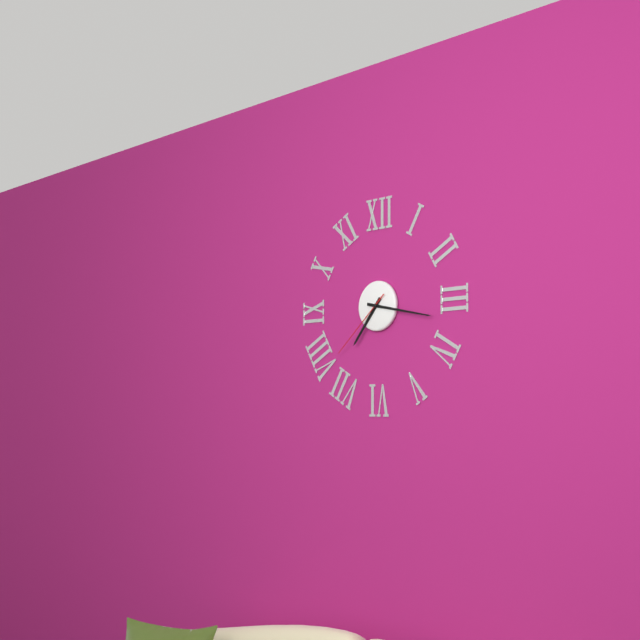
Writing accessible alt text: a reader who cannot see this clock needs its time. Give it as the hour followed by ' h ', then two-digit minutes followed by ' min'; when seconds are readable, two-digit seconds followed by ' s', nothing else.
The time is 7 h 17 min 38 s
